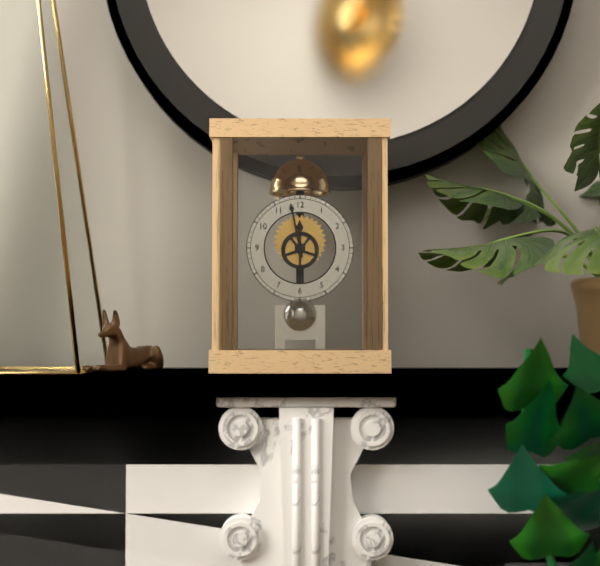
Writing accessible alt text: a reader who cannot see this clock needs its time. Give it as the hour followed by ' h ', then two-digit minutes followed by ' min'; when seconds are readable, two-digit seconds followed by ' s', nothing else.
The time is 11 h 58 min
